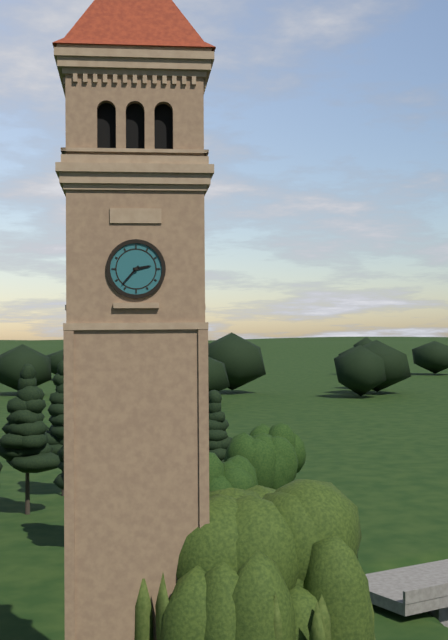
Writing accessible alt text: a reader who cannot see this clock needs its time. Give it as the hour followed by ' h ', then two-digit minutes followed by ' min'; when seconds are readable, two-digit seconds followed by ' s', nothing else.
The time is 2 h 37 min
